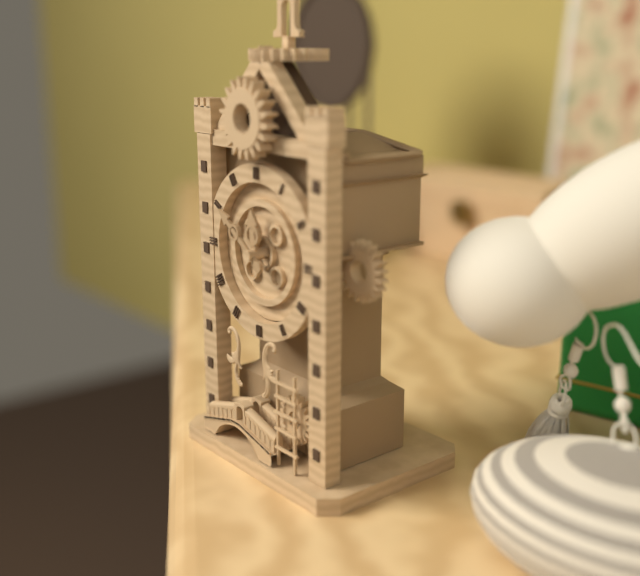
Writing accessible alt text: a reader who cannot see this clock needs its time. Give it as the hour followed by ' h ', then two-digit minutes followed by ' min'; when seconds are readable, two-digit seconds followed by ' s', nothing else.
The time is 11 h 51 min
